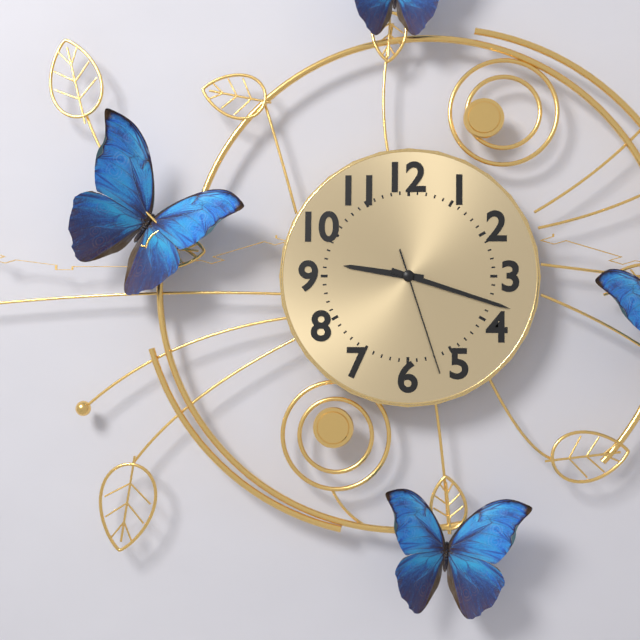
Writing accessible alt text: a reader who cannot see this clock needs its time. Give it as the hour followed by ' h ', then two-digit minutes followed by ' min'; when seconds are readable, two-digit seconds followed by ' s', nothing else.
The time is 9 h 18 min 27 s
